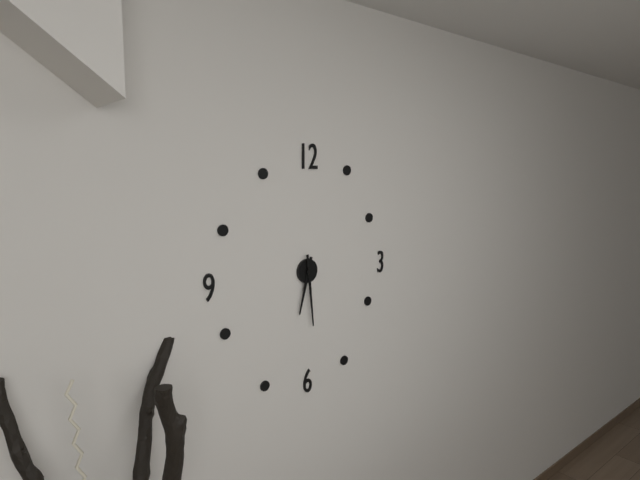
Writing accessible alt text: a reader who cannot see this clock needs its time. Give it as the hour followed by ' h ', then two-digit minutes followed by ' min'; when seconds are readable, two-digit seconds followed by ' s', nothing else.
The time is 6 h 29 min
